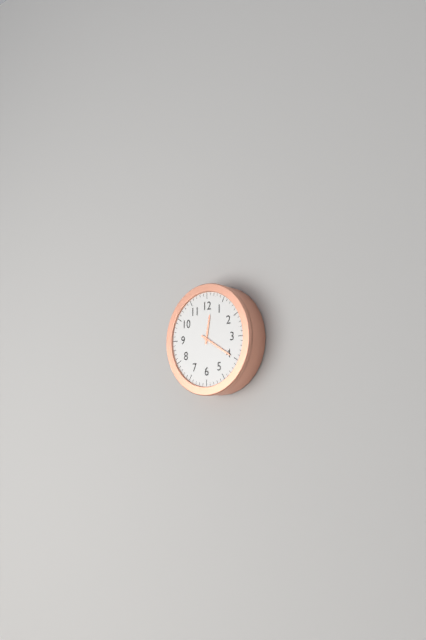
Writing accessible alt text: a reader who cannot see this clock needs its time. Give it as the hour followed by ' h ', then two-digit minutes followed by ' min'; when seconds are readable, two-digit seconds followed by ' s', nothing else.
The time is 12 h 20 min
